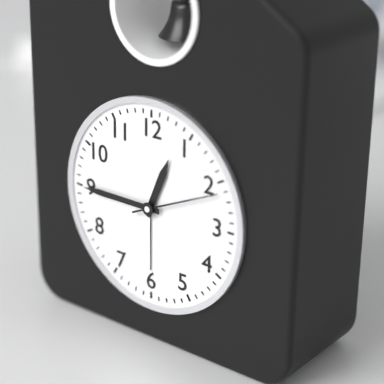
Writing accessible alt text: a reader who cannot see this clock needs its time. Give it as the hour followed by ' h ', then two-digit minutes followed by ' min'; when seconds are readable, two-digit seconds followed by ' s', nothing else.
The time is 12 h 45 min 11 s
